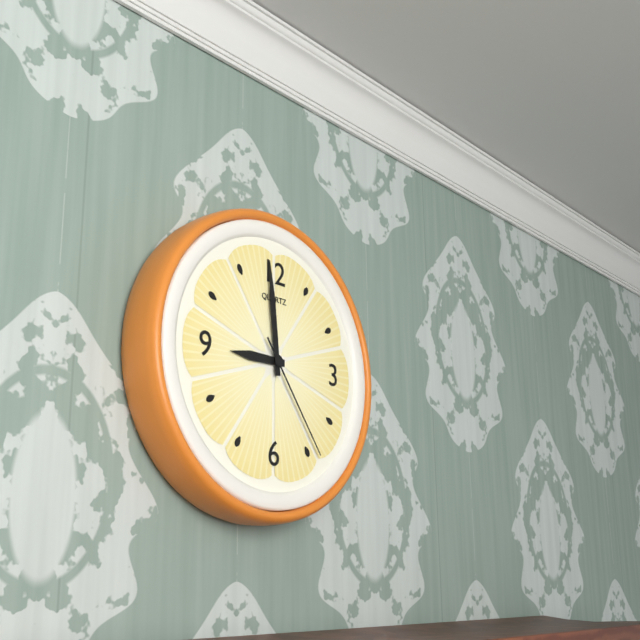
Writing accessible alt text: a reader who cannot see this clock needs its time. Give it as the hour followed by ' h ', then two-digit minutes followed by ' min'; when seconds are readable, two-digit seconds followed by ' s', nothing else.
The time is 8 h 59 min 24 s
